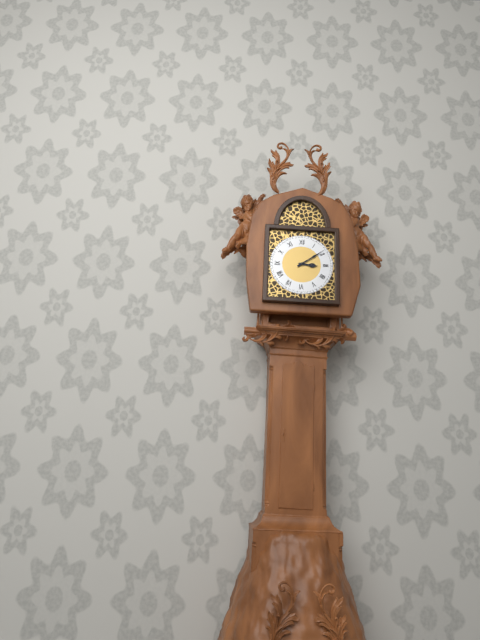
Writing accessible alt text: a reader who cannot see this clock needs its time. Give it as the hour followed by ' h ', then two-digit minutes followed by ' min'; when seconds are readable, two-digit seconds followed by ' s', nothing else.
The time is 3 h 09 min
